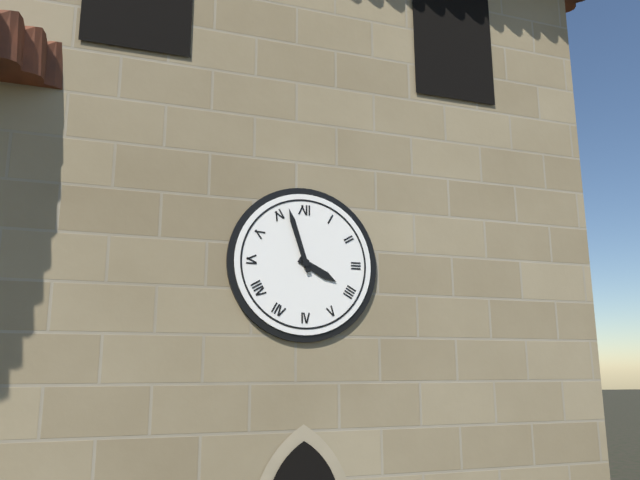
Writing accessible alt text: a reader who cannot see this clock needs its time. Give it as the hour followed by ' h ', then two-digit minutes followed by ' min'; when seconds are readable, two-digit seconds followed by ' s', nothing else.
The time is 3 h 57 min
